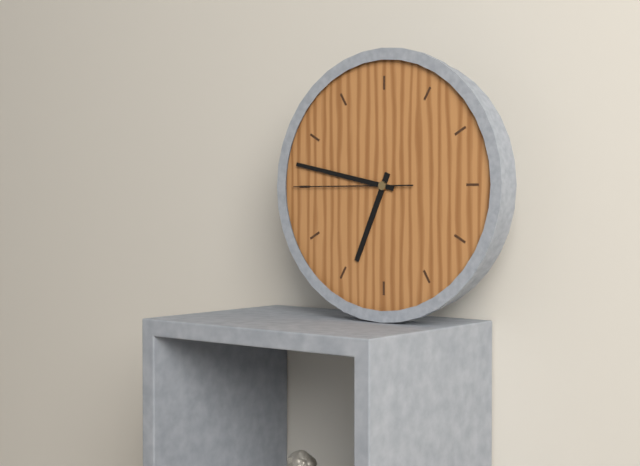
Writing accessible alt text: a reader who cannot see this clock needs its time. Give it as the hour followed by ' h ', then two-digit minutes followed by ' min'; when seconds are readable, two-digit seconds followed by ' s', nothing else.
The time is 6 h 47 min 45 s
